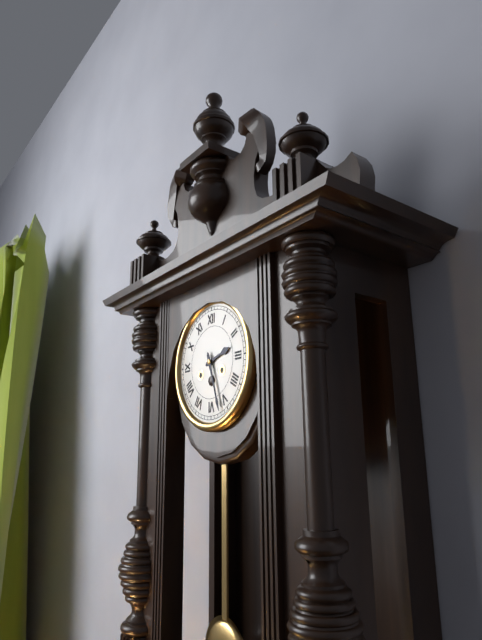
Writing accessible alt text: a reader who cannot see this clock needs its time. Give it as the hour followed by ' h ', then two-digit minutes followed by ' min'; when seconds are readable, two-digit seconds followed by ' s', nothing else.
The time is 2 h 27 min
